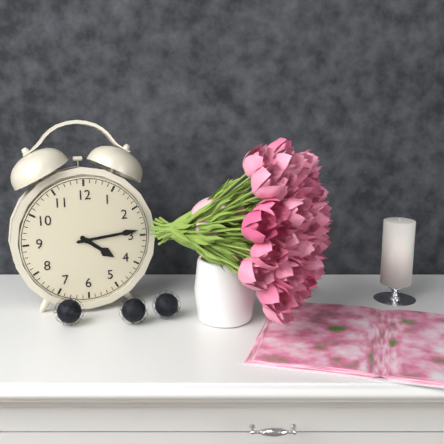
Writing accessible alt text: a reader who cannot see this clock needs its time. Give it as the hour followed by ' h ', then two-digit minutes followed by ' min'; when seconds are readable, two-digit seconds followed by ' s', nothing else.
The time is 4 h 14 min
